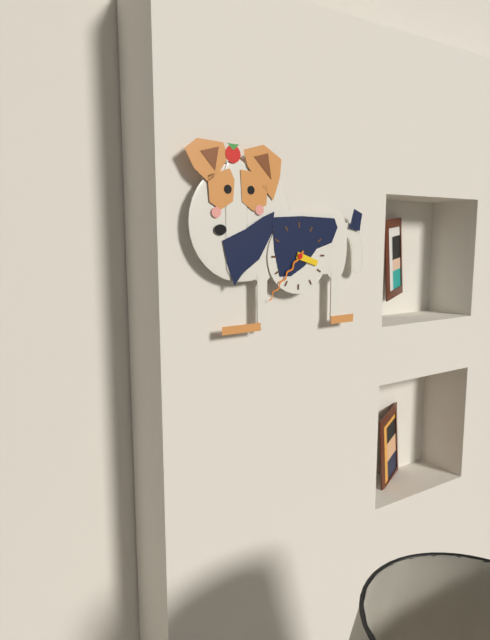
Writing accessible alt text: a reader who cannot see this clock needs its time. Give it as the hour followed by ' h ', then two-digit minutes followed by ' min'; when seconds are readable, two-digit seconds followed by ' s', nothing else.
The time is 3 h 37 min
